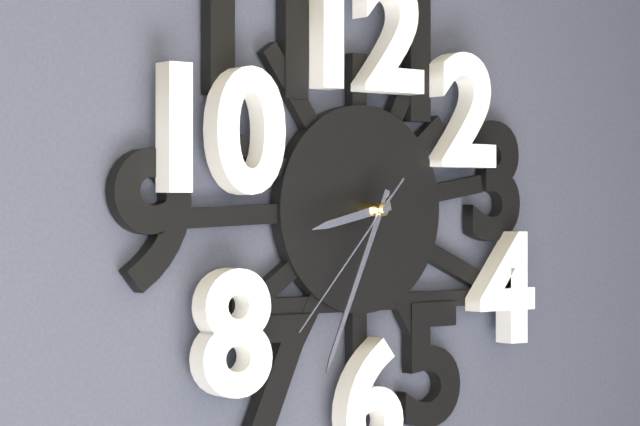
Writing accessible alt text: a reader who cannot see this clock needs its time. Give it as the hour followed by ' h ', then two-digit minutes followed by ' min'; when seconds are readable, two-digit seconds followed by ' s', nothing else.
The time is 8 h 34 min 37 s
